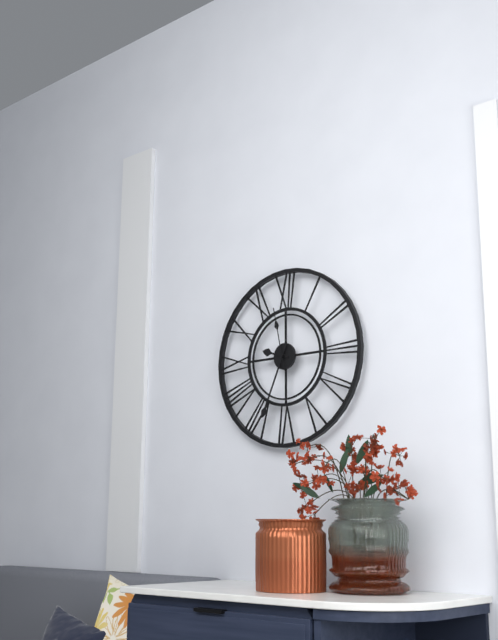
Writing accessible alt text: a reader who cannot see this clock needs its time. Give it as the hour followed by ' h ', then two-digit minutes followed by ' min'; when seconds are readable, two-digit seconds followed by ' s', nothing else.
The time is 9 h 34 min 58 s
